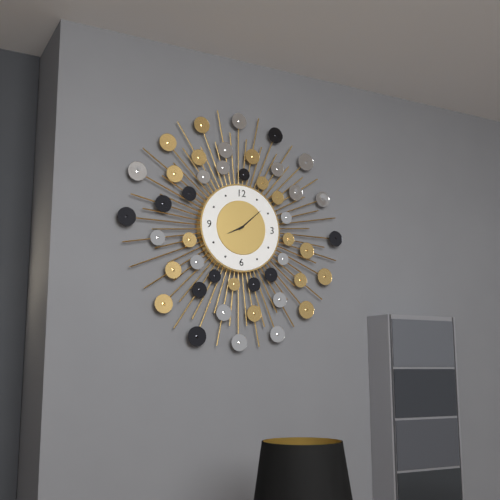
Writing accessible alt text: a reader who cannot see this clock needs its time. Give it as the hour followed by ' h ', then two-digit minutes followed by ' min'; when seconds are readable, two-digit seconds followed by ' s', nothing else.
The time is 8 h 08 min
